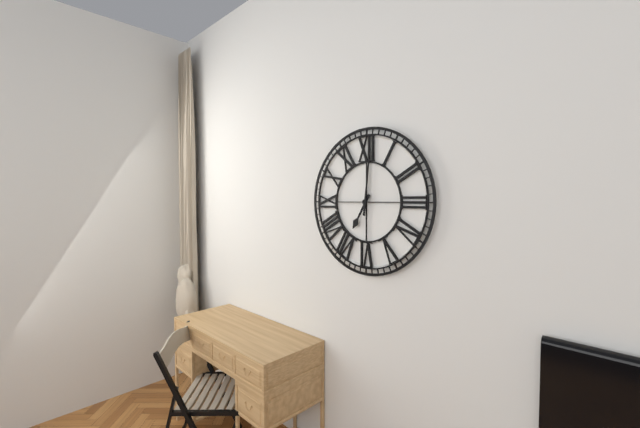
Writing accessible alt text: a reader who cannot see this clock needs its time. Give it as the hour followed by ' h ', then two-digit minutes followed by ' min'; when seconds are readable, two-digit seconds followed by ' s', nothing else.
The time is 7 h 01 min
